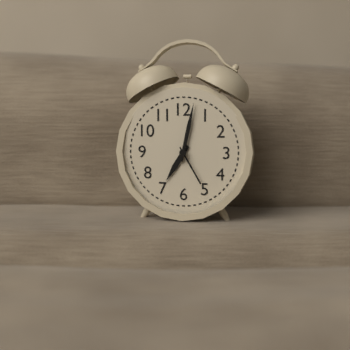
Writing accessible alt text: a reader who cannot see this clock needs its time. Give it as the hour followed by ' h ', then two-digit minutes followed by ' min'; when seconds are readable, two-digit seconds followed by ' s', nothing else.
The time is 7 h 02 min
